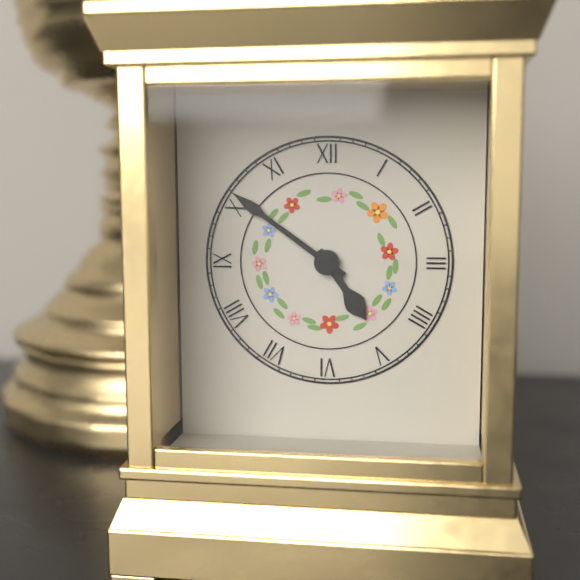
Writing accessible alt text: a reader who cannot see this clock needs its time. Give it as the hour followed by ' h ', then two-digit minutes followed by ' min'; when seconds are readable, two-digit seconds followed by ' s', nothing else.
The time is 4 h 51 min
